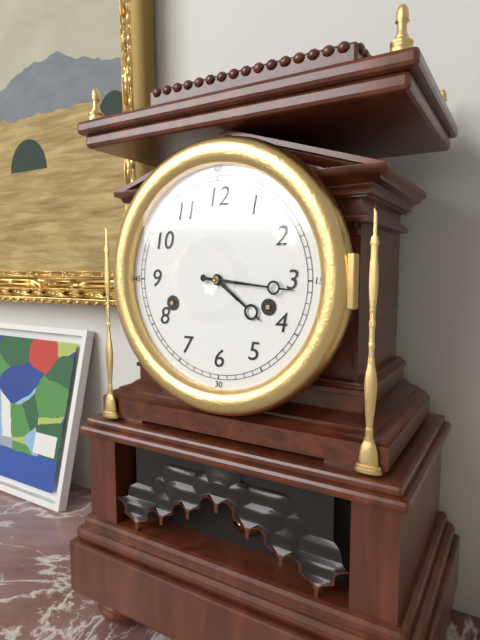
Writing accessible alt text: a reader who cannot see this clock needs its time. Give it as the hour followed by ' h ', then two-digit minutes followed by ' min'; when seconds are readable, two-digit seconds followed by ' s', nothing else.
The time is 4 h 16 min
